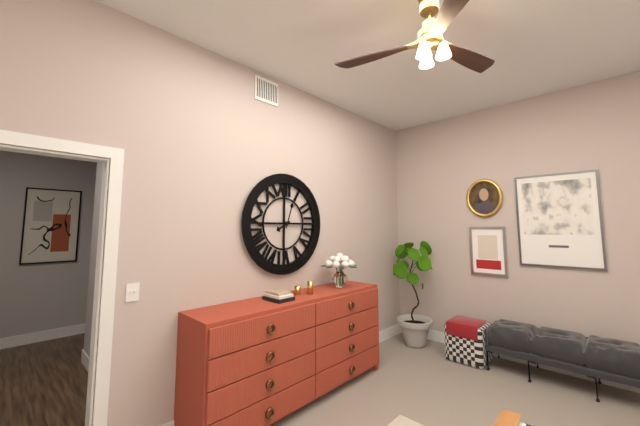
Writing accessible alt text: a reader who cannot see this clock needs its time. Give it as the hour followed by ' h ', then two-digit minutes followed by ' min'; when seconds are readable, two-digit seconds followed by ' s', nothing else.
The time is 8 h 03 min
